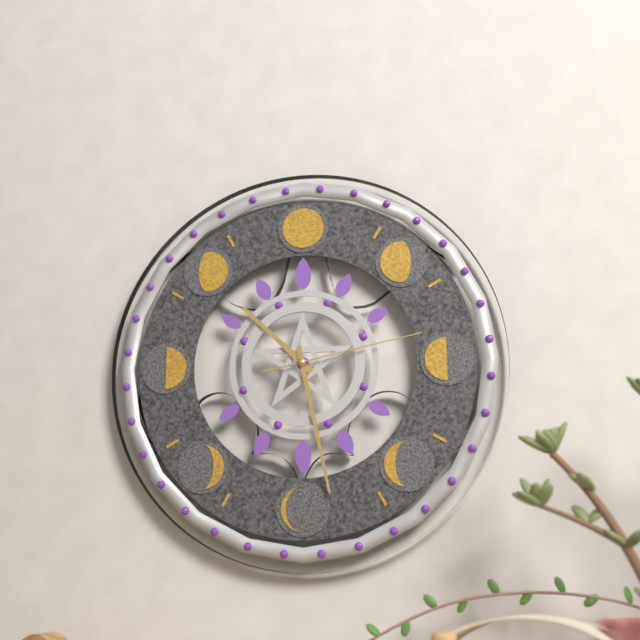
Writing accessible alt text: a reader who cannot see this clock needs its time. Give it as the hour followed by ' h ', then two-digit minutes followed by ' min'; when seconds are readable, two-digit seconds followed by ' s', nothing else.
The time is 10 h 28 min 13 s
